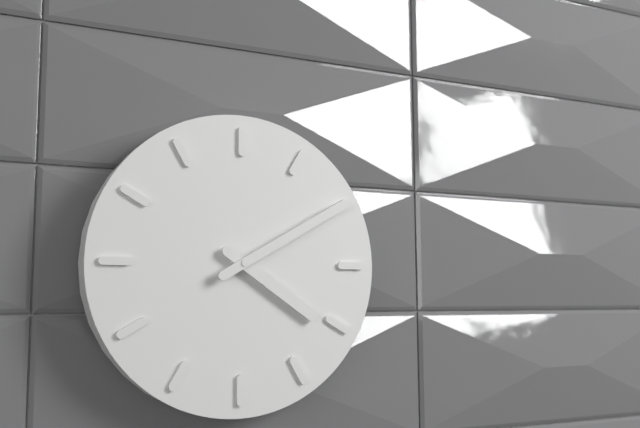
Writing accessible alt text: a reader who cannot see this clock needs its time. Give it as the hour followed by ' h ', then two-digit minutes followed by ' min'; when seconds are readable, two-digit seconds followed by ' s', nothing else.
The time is 4 h 10 min
